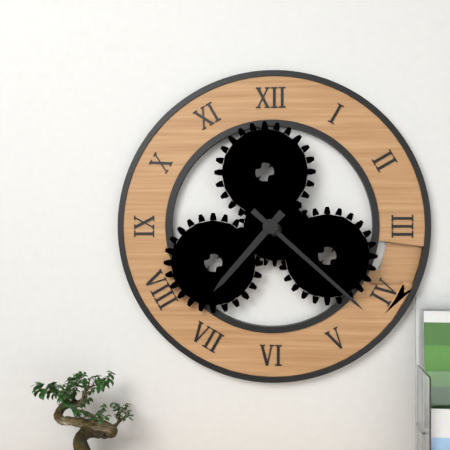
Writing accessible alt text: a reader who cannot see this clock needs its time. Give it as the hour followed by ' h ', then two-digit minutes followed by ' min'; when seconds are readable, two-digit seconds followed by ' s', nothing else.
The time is 7 h 22 min
